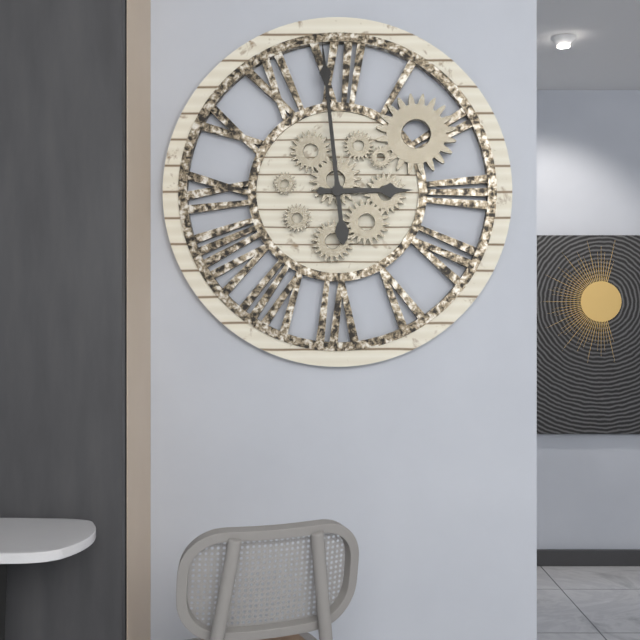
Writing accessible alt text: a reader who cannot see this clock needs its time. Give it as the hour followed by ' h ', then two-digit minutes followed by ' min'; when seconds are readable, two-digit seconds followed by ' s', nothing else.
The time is 2 h 59 min
